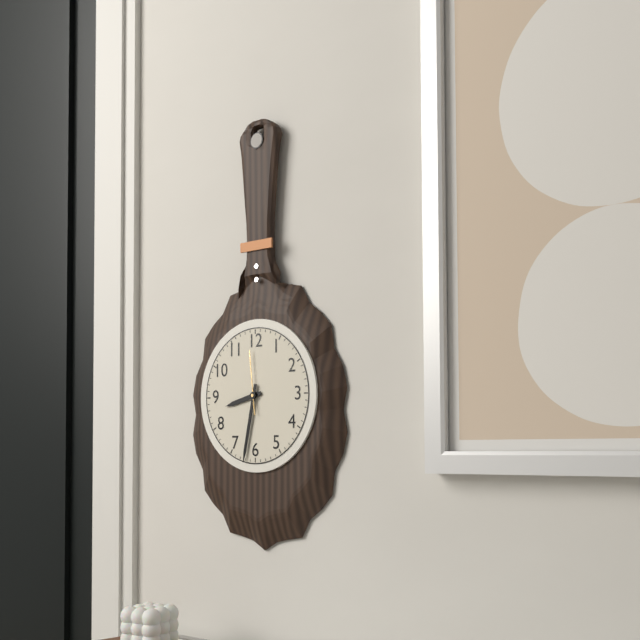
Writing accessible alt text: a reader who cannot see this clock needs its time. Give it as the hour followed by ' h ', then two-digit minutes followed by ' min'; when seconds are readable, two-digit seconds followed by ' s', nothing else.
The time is 8 h 32 min 59 s
